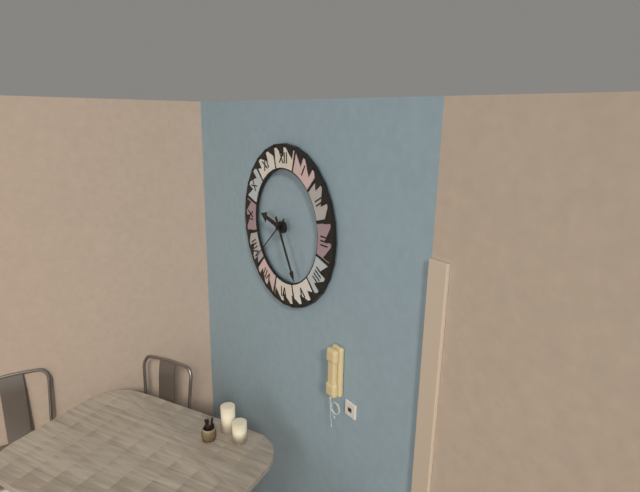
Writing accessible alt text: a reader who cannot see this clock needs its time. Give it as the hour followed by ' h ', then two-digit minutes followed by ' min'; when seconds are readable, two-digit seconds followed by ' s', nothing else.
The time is 9 h 25 min
